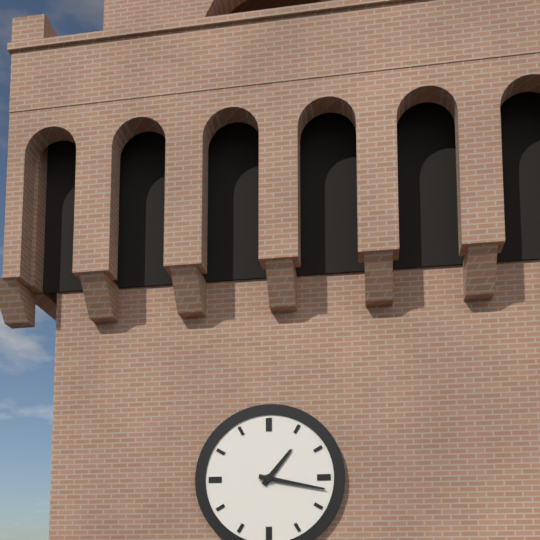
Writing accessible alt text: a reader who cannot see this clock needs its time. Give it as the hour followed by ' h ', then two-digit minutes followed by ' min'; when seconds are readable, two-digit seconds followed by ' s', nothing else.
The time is 1 h 17 min
